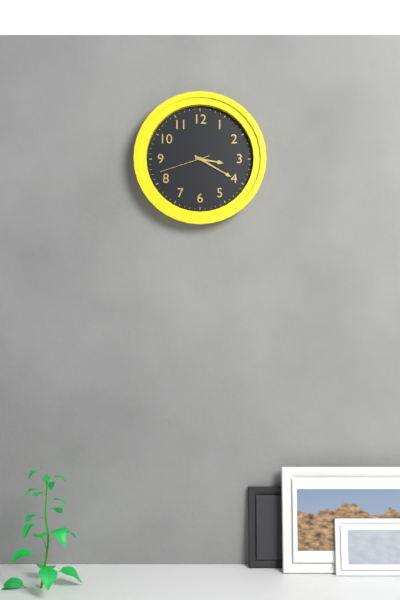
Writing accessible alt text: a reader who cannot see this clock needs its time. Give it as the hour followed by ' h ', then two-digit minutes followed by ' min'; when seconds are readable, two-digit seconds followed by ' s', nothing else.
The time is 3 h 20 min 42 s
